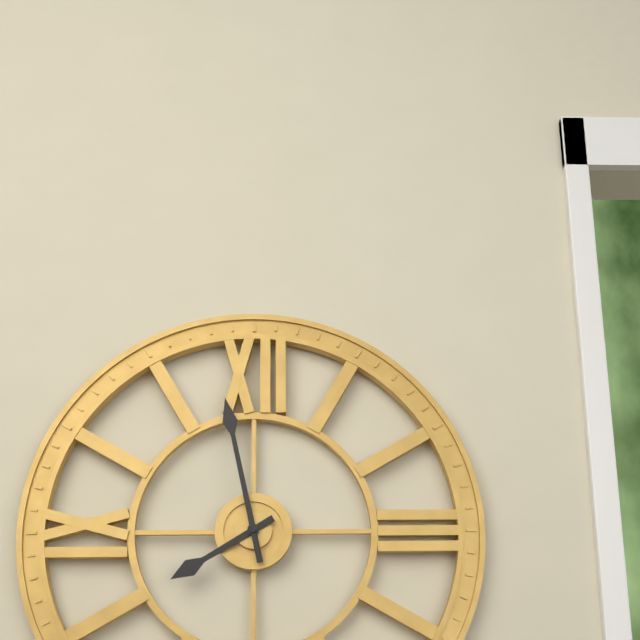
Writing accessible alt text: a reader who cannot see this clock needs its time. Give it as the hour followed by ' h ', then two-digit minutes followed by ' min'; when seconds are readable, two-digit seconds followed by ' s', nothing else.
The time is 7 h 58 min
